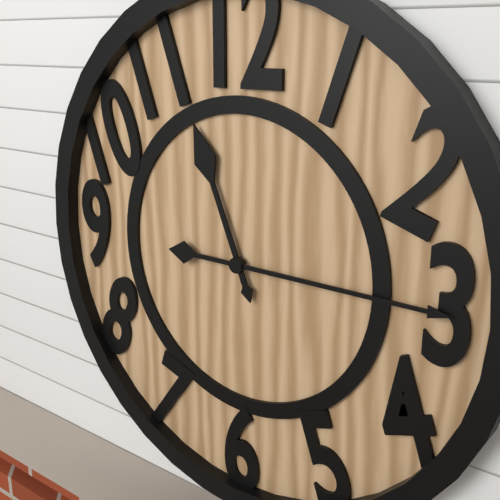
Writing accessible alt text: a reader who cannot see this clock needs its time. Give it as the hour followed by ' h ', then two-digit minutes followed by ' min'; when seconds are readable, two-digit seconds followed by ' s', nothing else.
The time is 11 h 15 min
